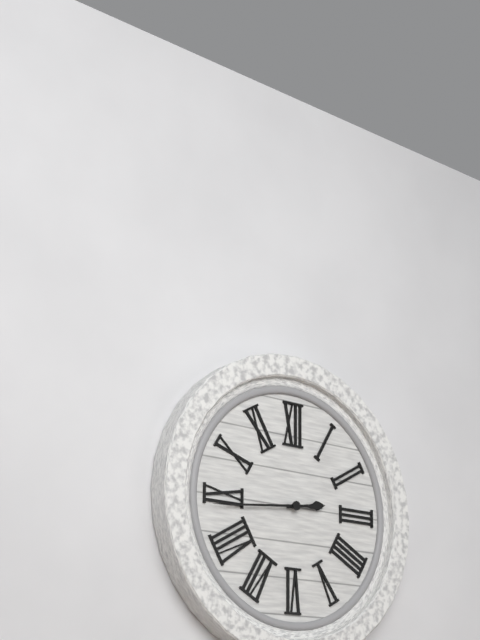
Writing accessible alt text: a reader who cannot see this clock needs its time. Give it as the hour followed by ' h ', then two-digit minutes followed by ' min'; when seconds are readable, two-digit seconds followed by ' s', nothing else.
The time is 2 h 44 min
